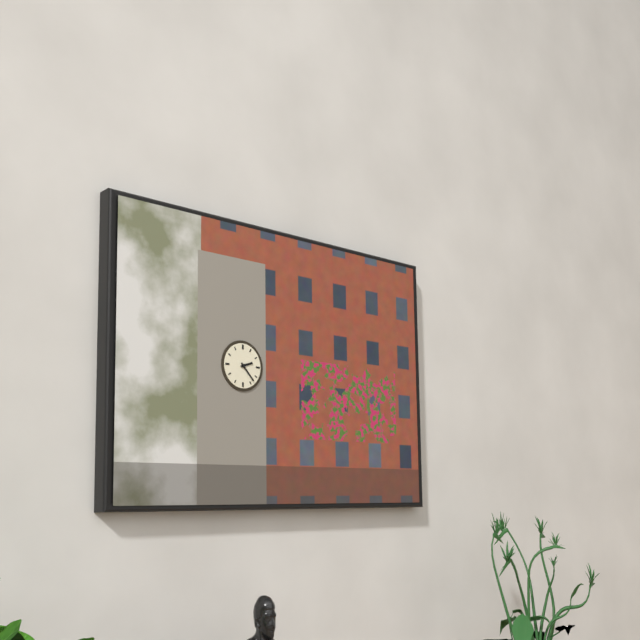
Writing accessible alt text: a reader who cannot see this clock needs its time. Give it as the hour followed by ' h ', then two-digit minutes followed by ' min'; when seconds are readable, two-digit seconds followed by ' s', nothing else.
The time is 2 h 23 min
